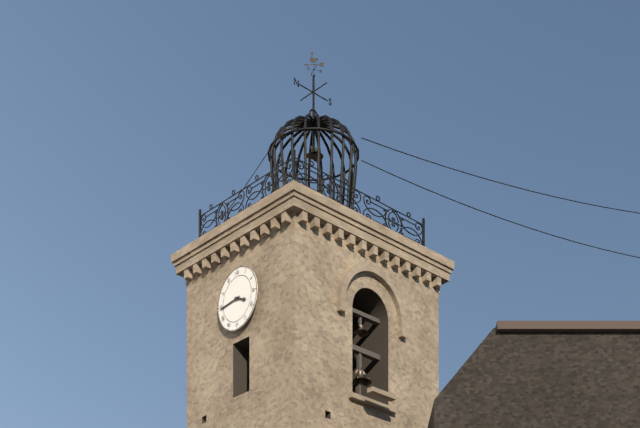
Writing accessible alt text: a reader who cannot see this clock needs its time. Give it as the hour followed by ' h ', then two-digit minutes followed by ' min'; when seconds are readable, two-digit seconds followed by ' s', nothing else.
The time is 3 h 44 min
